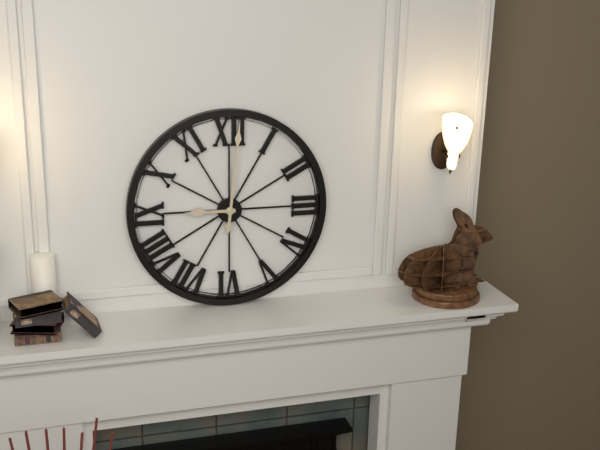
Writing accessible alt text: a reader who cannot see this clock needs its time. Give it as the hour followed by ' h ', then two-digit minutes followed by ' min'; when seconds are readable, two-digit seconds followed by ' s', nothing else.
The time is 9 h 01 min
